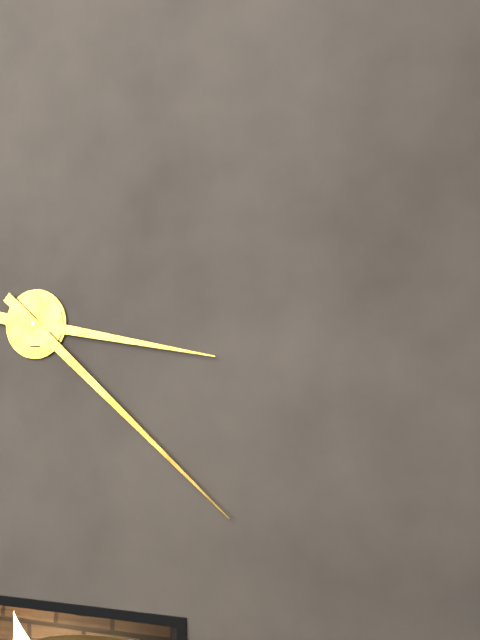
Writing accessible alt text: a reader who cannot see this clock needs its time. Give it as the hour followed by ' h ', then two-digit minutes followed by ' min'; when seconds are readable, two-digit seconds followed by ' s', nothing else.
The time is 3 h 22 min
